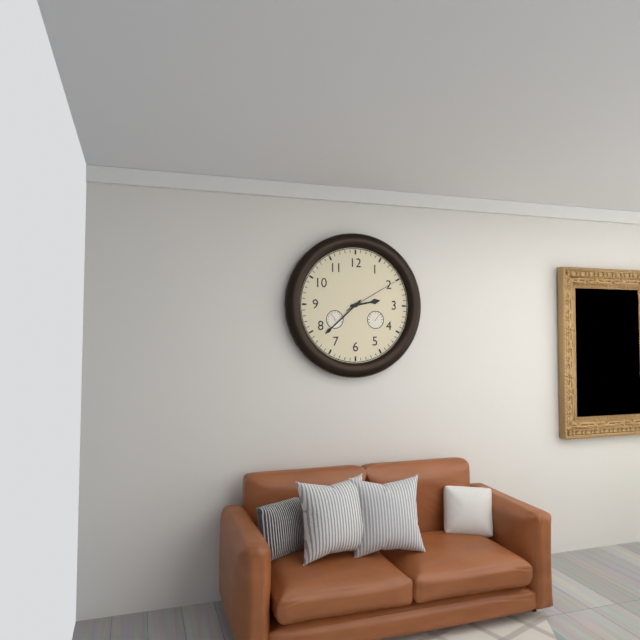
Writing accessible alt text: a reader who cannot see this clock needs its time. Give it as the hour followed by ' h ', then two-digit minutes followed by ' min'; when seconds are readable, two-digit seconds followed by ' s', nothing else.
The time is 2 h 38 min 10 s
